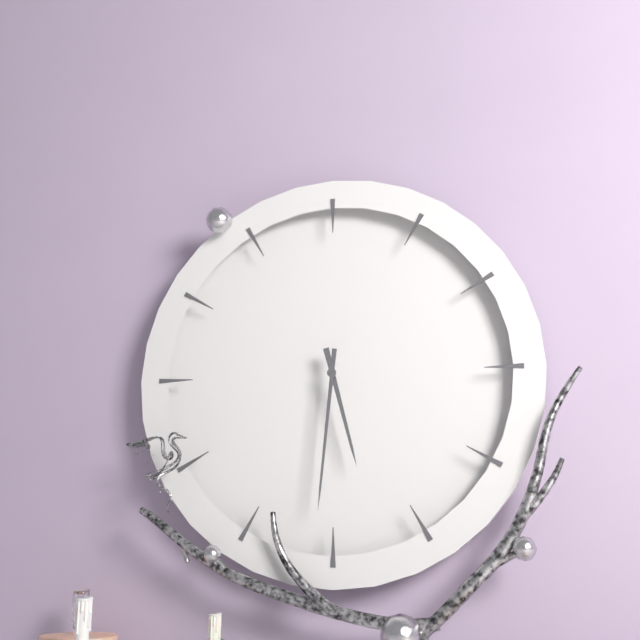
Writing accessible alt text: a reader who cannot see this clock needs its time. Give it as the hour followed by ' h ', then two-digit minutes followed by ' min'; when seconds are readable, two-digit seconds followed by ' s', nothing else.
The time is 5 h 31 min
